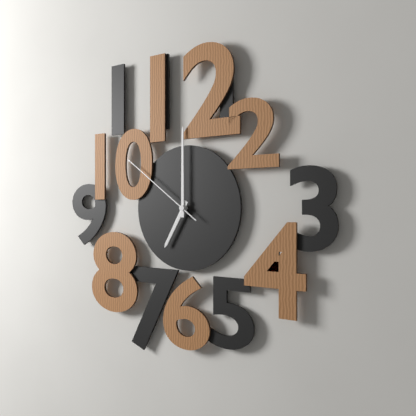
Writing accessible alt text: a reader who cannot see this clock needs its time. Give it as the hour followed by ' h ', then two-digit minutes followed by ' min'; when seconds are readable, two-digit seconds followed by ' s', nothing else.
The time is 7 h 00 min 51 s
